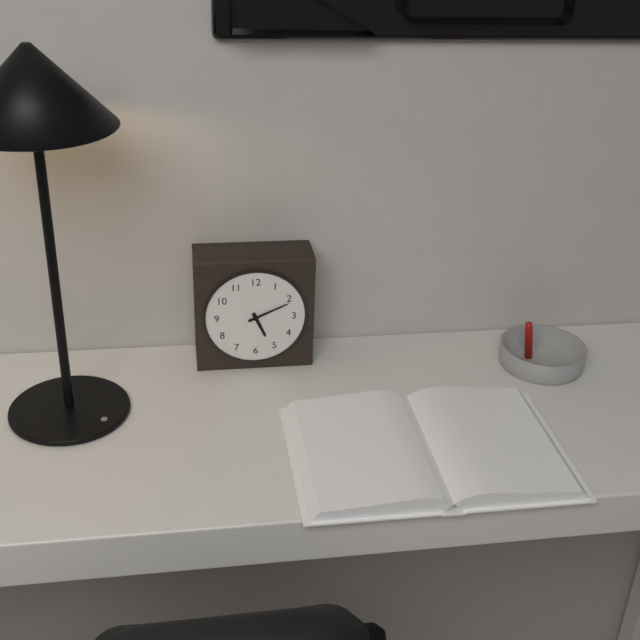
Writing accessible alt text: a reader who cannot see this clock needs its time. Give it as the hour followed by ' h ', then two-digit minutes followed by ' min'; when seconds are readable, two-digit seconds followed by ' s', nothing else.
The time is 5 h 11 min
